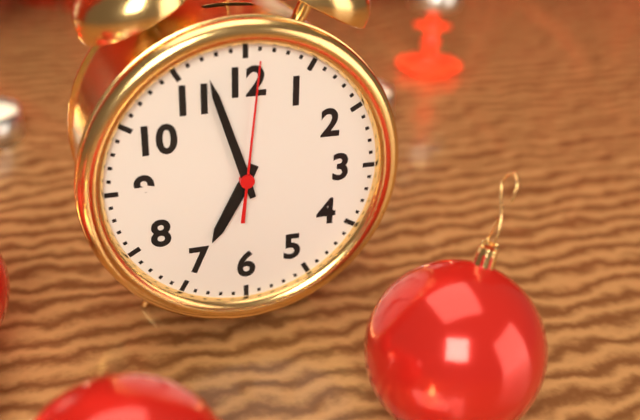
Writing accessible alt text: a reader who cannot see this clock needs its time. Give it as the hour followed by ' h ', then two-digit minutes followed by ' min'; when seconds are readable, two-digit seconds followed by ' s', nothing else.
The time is 6 h 57 min 01 s
